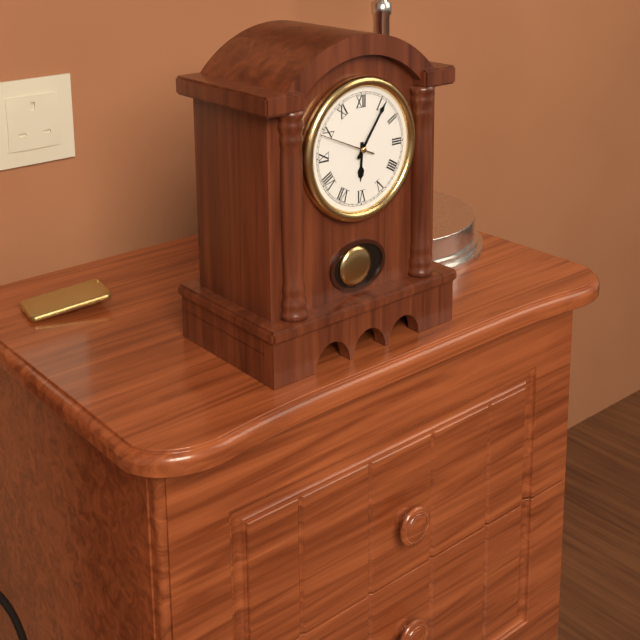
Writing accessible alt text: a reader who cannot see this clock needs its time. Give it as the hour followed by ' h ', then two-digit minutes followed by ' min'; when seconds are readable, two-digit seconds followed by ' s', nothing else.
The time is 6 h 06 min 49 s
